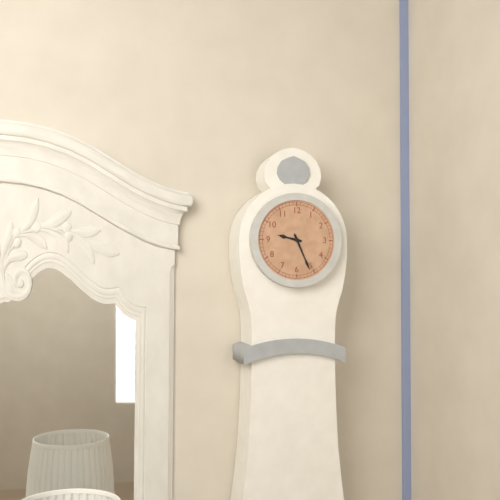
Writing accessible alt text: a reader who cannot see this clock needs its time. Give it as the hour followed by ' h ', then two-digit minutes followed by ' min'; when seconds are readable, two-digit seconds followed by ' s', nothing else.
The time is 9 h 26 min
